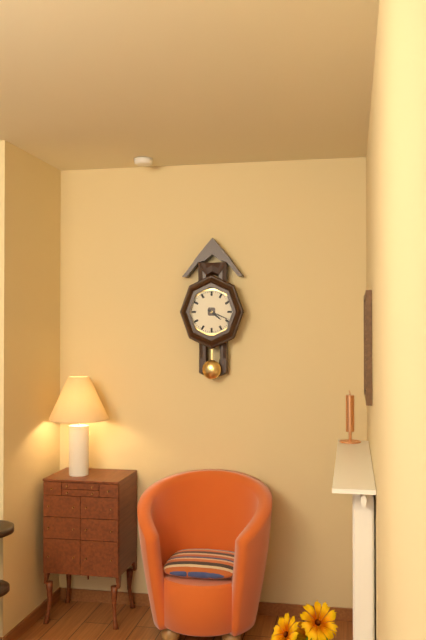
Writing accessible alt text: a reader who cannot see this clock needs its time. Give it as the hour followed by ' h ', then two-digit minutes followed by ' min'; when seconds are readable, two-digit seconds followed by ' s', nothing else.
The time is 4 h 19 min
